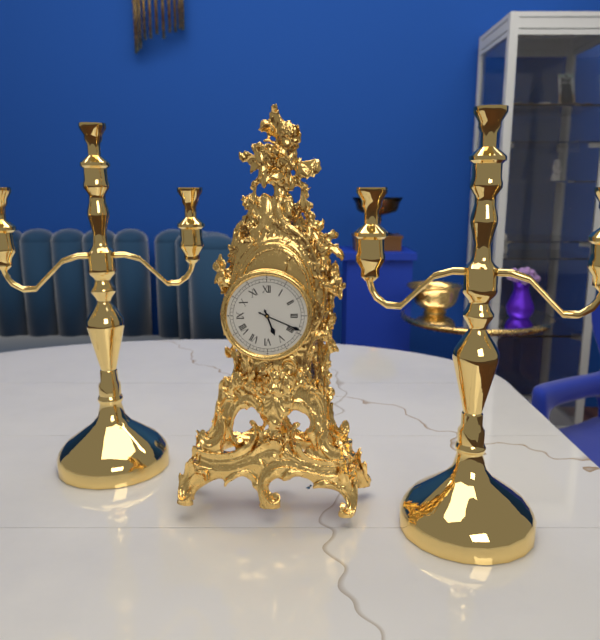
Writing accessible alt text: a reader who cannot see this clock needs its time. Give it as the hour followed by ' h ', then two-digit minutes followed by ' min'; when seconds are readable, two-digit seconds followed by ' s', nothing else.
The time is 5 h 19 min
